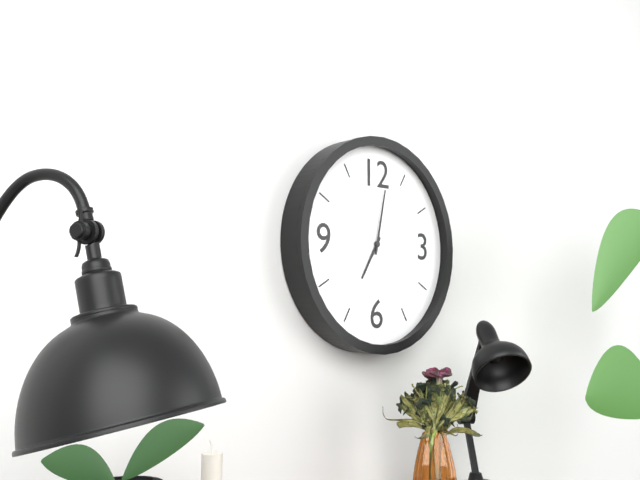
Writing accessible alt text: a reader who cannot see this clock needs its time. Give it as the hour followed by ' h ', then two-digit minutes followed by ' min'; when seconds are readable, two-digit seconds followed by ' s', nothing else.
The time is 7 h 02 min
